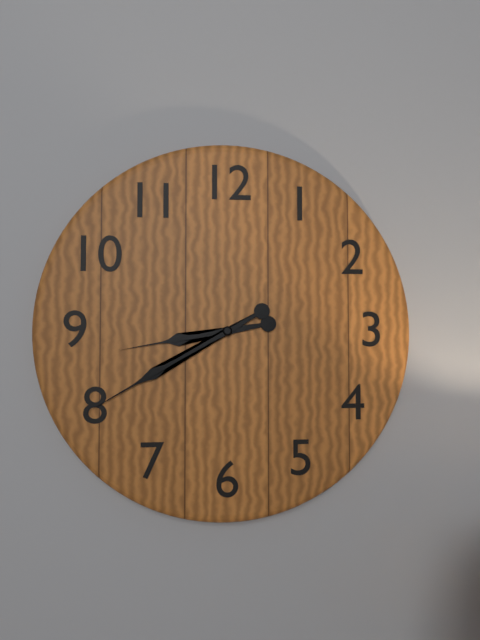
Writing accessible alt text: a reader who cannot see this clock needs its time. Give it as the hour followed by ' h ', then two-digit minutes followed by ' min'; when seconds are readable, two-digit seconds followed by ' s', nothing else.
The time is 8 h 40 min
